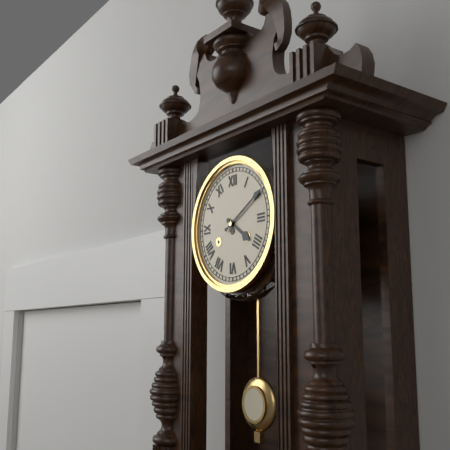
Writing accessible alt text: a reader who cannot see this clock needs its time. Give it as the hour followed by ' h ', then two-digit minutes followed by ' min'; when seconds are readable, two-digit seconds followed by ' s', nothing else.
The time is 4 h 10 min
